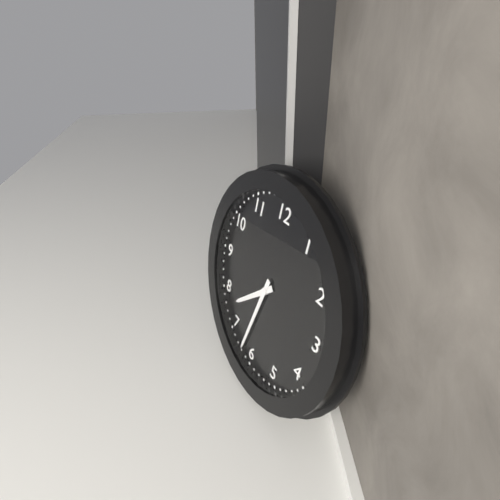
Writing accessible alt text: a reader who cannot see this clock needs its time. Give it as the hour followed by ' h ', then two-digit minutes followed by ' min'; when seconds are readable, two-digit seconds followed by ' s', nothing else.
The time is 7 h 32 min
